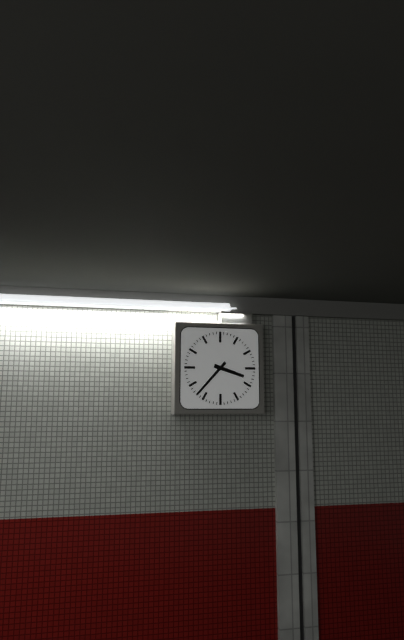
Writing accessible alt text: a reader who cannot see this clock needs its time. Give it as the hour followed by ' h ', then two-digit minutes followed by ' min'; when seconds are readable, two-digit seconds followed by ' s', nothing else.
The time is 3 h 37 min
